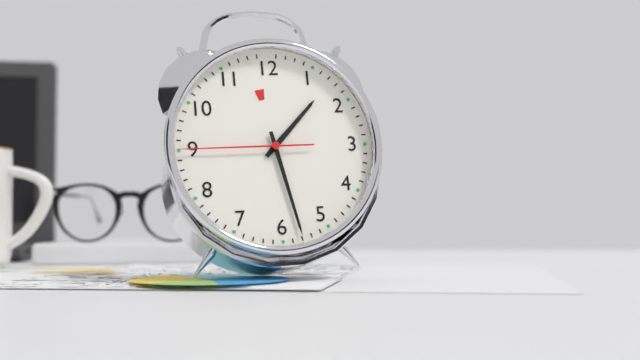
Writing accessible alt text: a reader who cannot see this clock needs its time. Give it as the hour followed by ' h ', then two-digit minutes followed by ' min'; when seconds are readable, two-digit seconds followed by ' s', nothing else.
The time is 1 h 28 min 45 s
